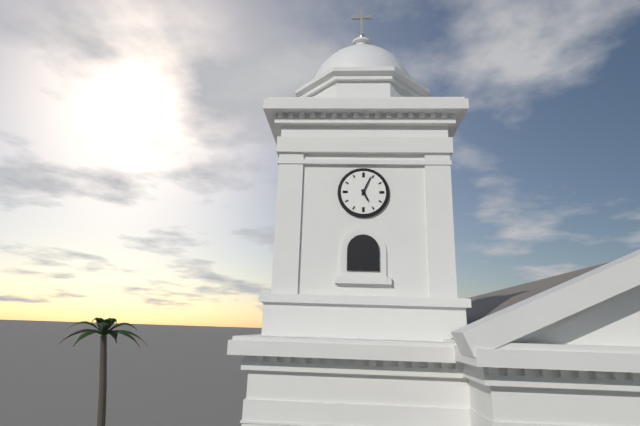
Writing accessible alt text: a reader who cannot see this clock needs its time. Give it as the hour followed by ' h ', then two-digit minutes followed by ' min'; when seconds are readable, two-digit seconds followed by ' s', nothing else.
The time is 5 h 04 min
